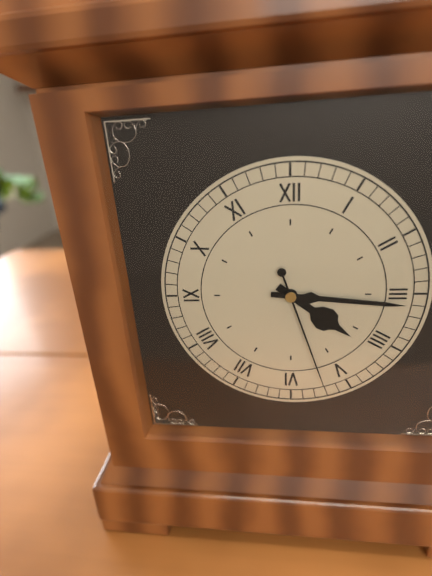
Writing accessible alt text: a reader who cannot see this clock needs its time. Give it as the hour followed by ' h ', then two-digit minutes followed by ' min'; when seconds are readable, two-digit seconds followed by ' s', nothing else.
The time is 4 h 16 min 27 s
